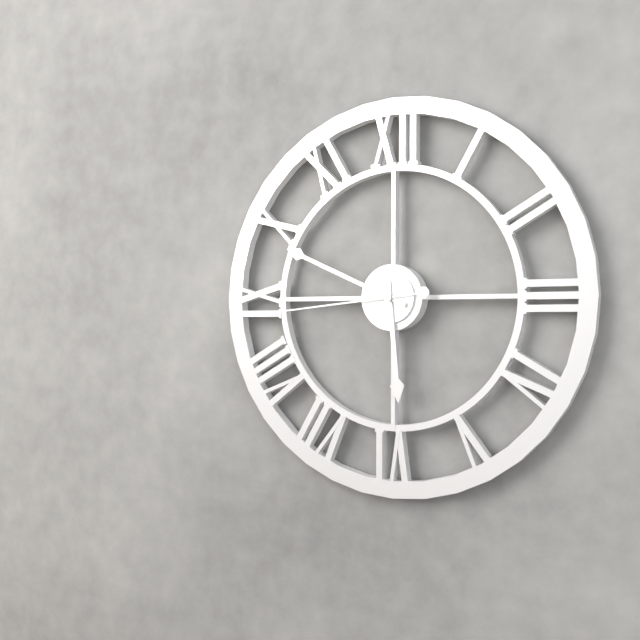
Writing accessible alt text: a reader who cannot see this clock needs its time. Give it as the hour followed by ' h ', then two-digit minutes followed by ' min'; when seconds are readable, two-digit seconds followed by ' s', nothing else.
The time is 5 h 49 min 44 s
